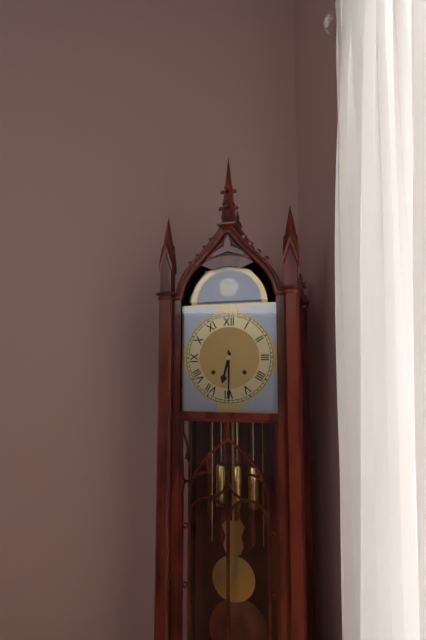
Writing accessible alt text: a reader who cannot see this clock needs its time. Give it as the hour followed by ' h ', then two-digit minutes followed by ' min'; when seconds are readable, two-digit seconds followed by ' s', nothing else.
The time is 6 h 30 min
